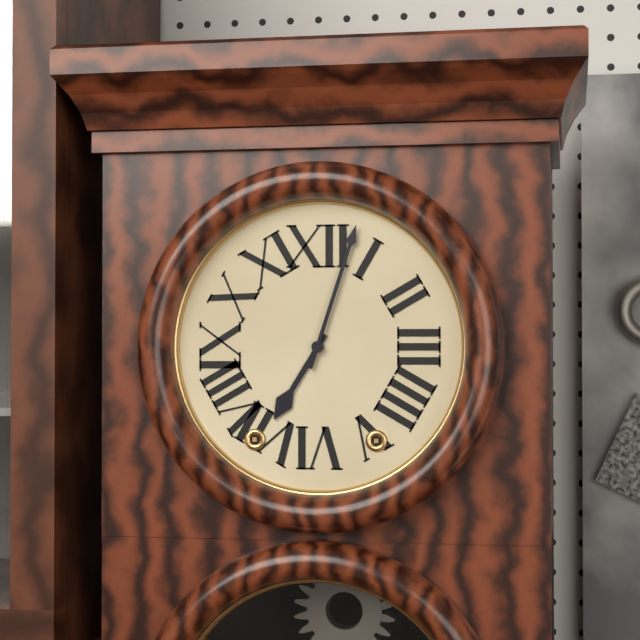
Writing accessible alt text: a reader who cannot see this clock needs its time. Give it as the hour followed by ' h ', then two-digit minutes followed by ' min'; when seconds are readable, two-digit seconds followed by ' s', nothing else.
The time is 7 h 03 min
